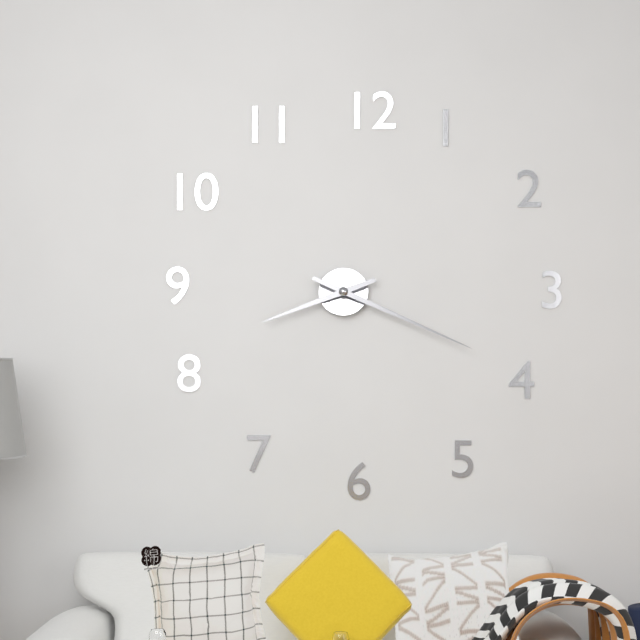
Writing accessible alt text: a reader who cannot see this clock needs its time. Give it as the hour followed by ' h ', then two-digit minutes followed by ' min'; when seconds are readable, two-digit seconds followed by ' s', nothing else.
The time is 8 h 19 min
